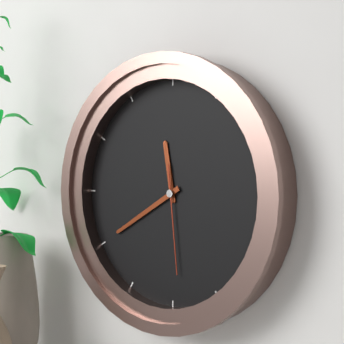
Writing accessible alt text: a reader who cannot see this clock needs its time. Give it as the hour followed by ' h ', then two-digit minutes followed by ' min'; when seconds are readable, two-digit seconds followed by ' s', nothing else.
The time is 11 h 40 min 29 s
